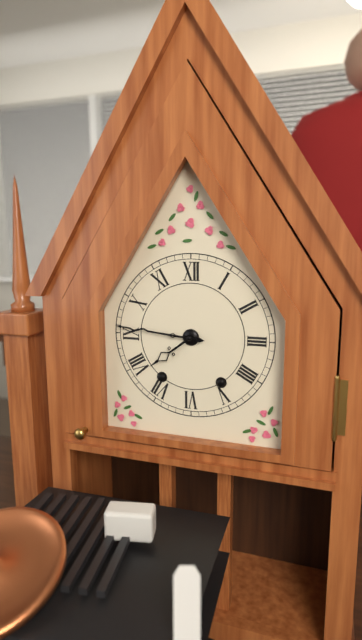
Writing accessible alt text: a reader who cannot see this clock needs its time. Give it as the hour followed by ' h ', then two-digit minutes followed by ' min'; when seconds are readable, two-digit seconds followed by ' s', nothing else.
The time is 7 h 46 min
